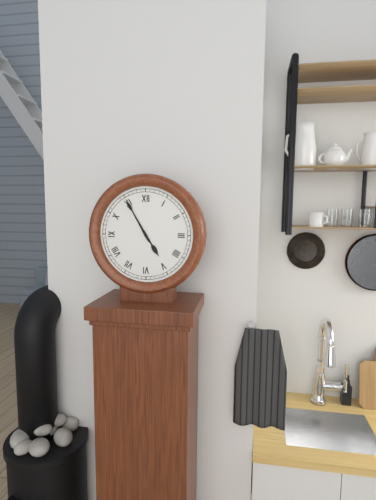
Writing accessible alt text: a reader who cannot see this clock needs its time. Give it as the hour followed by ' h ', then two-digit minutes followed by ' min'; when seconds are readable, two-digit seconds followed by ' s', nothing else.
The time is 4 h 55 min
